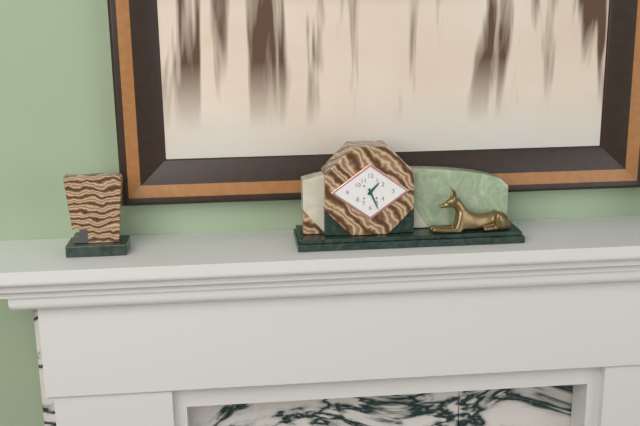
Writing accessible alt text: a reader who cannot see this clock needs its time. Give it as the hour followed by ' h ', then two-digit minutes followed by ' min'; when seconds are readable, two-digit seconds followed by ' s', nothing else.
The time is 1 h 26 min
